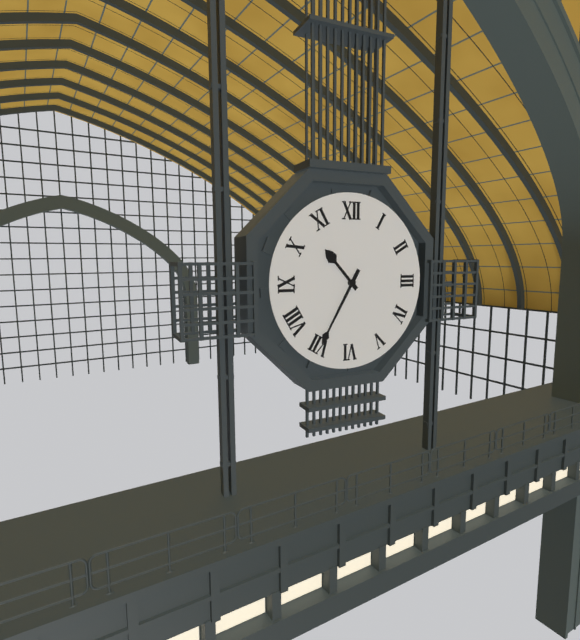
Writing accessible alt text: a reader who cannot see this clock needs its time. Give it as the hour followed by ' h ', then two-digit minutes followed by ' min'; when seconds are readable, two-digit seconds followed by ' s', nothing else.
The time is 10 h 35 min
